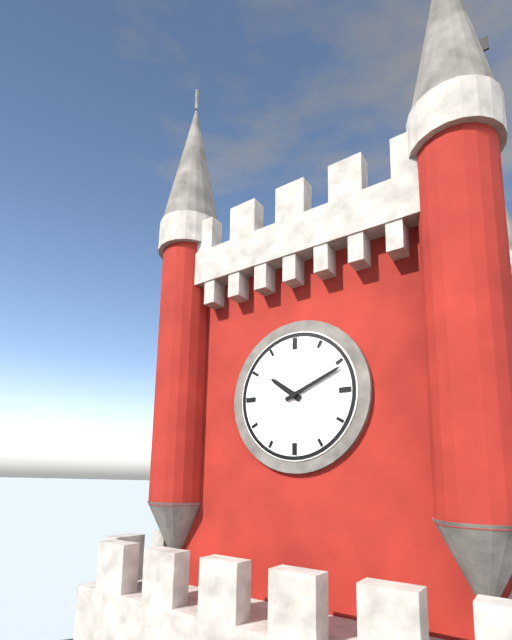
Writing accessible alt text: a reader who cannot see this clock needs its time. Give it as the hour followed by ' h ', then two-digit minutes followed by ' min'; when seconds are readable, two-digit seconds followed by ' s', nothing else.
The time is 10 h 11 min
